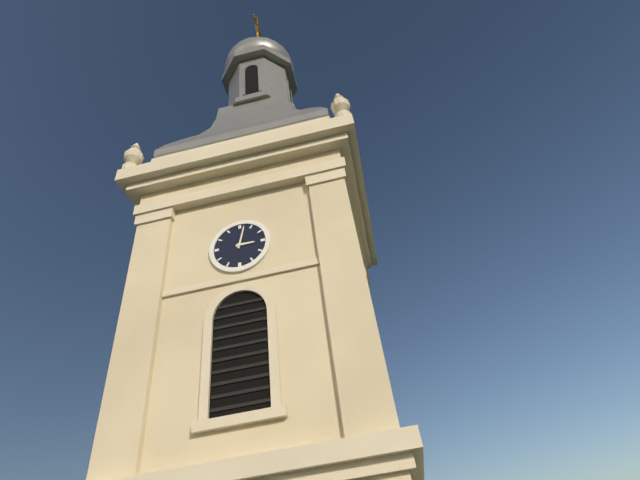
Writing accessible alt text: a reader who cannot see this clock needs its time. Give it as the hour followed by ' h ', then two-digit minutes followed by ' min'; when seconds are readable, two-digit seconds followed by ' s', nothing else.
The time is 3 h 02 min
